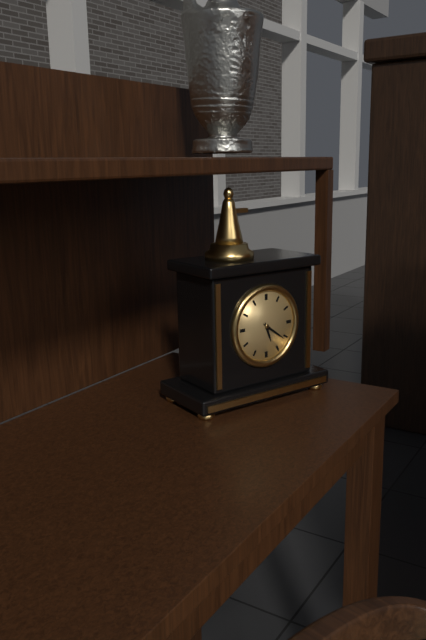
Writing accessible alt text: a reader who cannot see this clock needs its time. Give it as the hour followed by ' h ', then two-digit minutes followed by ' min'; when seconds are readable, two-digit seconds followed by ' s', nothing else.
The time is 5 h 21 min
